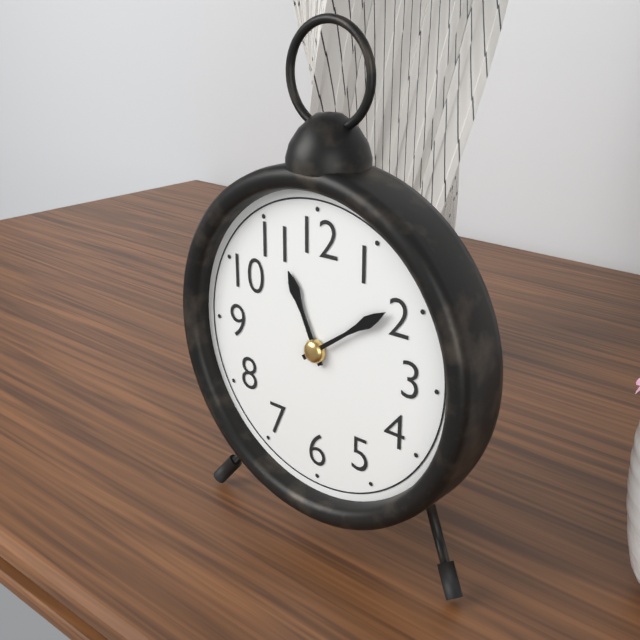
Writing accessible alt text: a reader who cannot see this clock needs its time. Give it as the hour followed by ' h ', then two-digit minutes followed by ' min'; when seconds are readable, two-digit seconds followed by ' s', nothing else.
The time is 11 h 09 min
